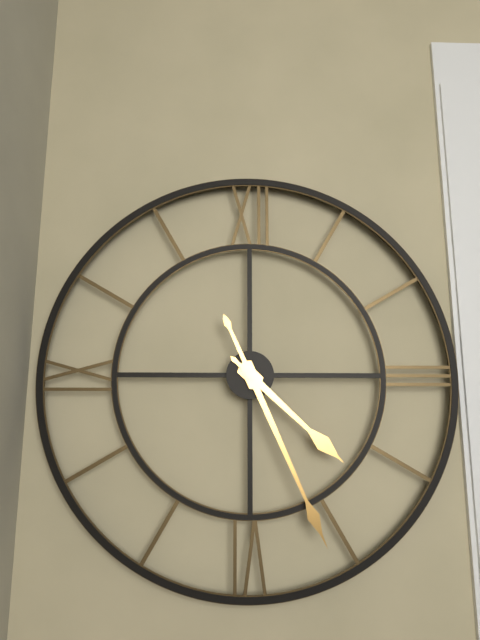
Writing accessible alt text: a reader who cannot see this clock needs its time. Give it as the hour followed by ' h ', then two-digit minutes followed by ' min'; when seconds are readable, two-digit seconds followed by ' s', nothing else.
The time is 4 h 26 min
